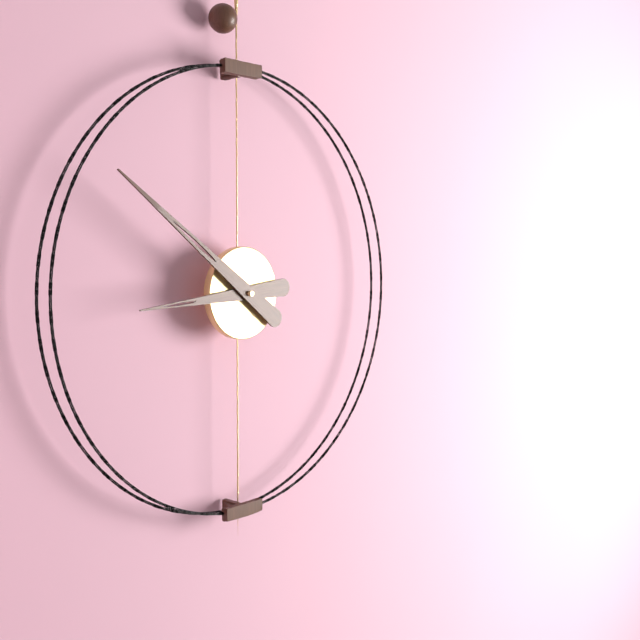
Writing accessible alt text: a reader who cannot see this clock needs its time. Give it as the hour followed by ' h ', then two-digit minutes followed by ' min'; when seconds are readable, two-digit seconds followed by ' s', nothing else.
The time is 8 h 51 min
